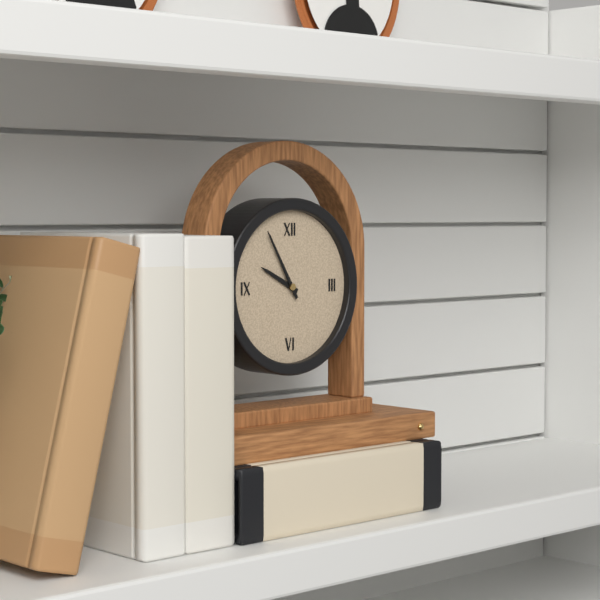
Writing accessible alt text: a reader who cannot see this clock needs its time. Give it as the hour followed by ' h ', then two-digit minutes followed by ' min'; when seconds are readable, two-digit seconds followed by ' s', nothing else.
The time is 9 h 55 min
